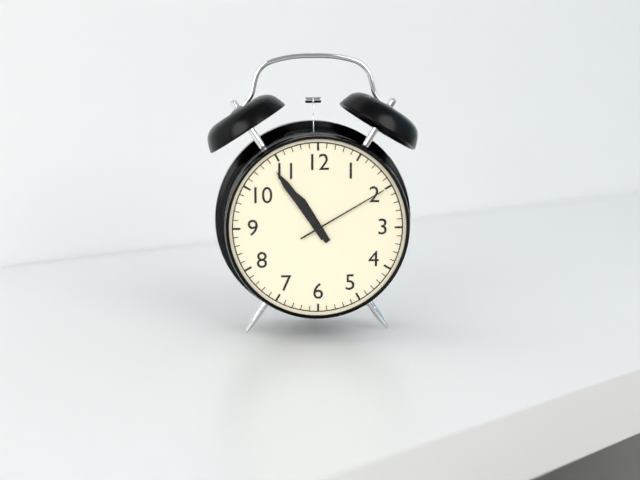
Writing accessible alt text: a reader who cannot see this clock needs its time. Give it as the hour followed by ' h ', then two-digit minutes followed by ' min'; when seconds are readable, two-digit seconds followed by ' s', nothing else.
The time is 10 h 54 min 10 s
